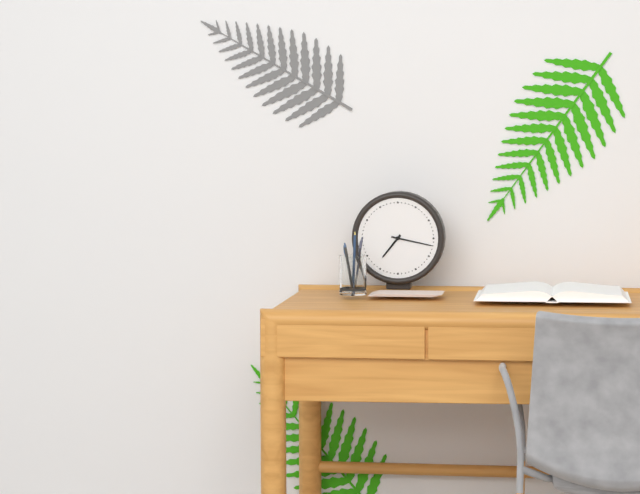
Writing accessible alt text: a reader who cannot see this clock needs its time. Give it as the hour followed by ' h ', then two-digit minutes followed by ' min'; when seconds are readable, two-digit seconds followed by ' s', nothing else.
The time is 7 h 17 min
